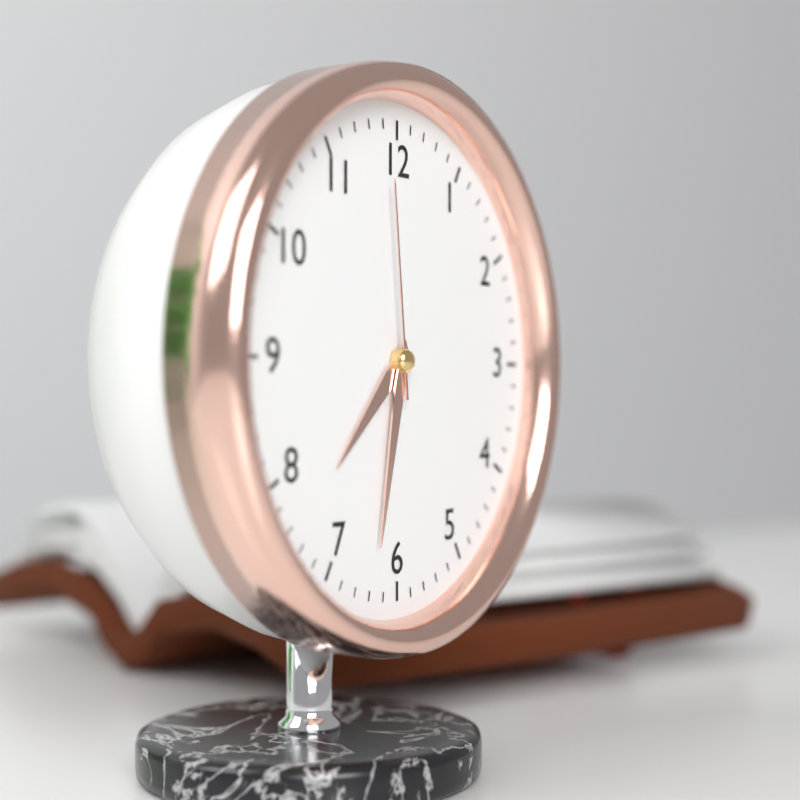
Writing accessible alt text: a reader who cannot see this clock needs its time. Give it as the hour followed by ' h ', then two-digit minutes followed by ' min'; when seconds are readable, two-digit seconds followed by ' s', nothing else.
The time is 7 h 32 min 59 s
